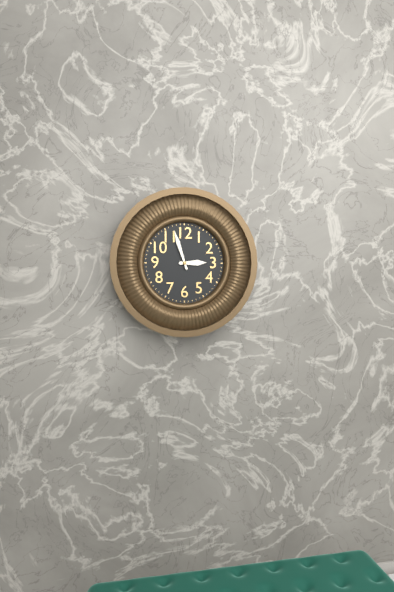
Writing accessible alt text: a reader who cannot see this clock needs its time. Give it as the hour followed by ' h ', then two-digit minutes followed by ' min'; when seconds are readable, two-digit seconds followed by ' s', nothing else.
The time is 2 h 57 min
